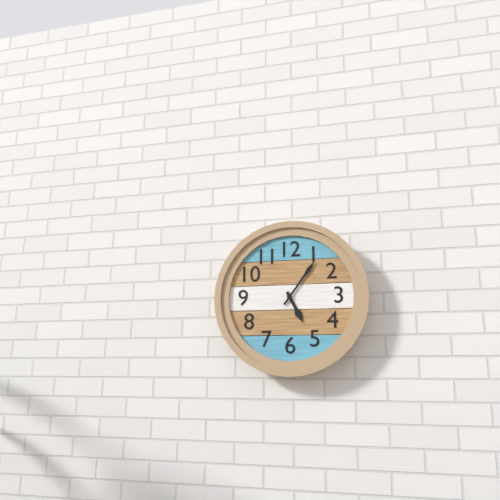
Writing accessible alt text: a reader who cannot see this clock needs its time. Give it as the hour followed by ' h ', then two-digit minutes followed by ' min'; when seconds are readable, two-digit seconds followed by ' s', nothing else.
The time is 5 h 06 min
